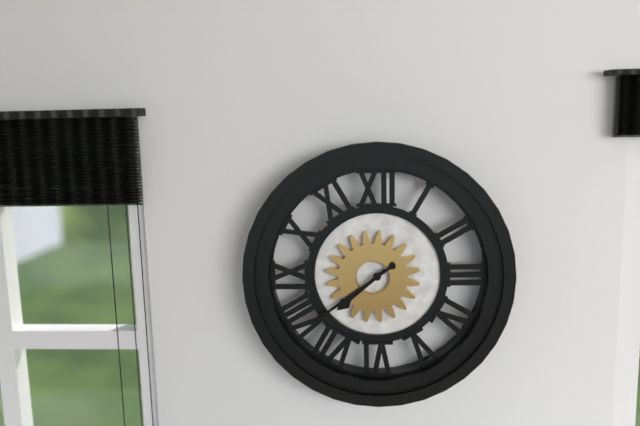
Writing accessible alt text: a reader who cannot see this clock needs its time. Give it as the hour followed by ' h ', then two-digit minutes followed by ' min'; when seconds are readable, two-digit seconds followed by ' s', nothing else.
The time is 7 h 39 min
